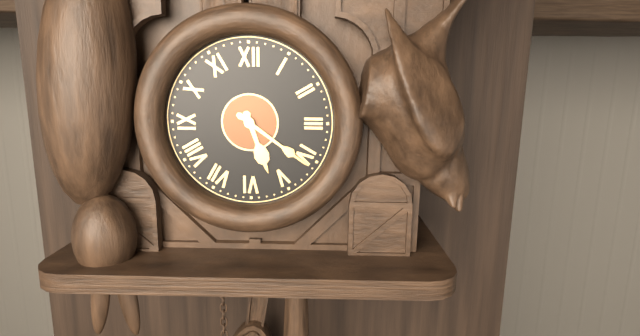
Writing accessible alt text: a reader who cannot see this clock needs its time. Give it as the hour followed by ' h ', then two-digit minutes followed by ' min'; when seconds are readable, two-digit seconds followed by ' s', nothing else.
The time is 5 h 21 min
